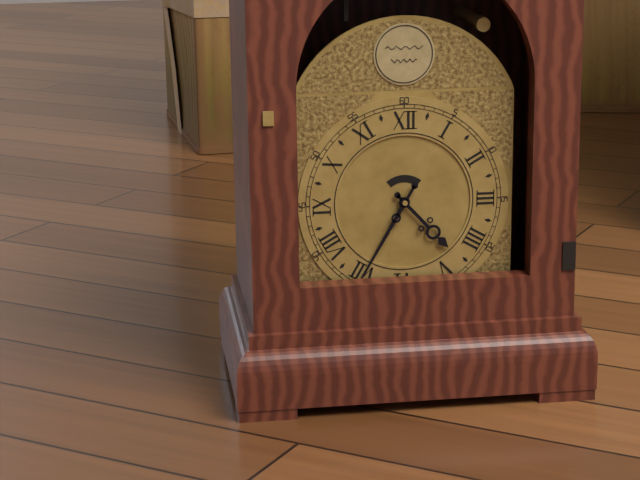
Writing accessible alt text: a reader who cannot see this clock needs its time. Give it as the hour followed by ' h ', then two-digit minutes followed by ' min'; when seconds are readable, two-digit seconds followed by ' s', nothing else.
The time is 4 h 35 min
